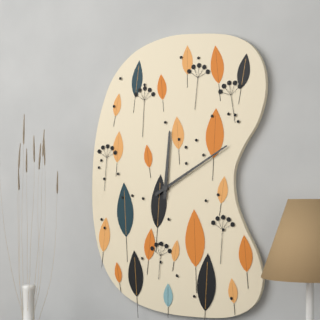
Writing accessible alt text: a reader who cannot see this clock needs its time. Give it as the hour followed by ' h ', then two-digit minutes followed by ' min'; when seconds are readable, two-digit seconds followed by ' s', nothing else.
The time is 12 h 10 min
